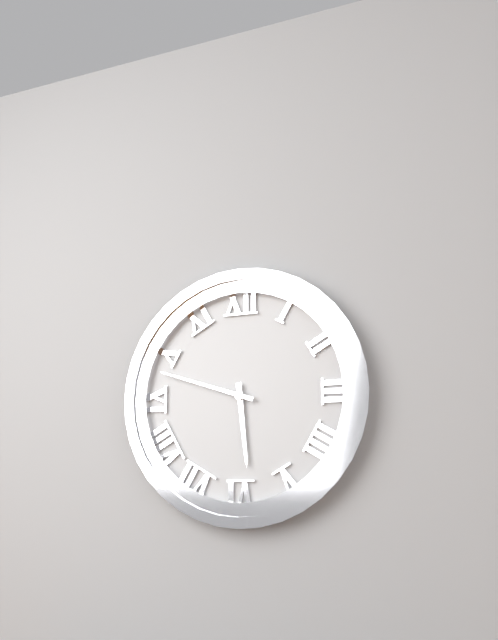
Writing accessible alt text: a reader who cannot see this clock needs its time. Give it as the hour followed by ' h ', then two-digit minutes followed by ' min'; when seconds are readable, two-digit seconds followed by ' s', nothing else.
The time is 5 h 48 min
